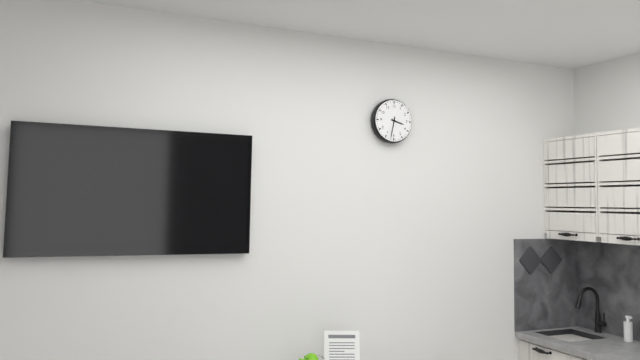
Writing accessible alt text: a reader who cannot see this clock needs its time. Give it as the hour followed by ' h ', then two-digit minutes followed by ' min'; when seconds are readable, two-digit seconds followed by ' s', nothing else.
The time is 3 h 32 min
